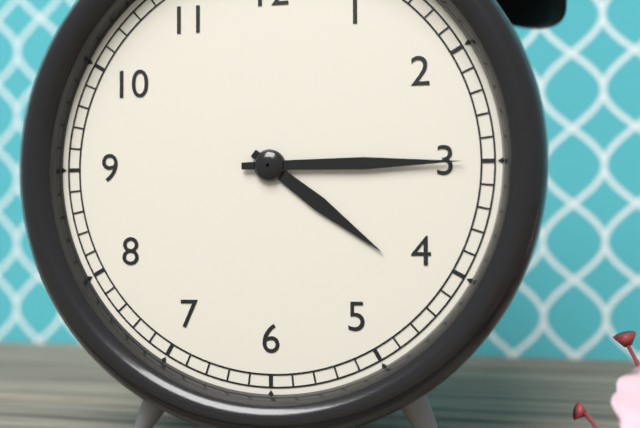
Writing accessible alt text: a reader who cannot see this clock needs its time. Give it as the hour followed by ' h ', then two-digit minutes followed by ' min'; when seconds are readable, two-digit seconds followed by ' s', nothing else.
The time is 4 h 15 min
